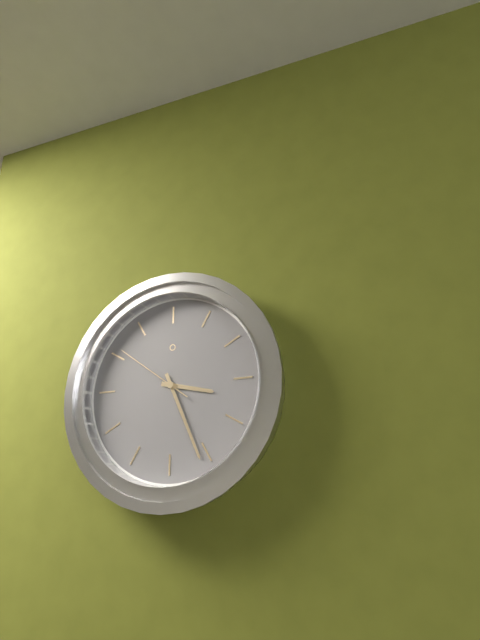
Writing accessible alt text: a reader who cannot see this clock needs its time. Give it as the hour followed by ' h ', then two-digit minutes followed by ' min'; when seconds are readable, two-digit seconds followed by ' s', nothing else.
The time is 3 h 26 min 51 s
